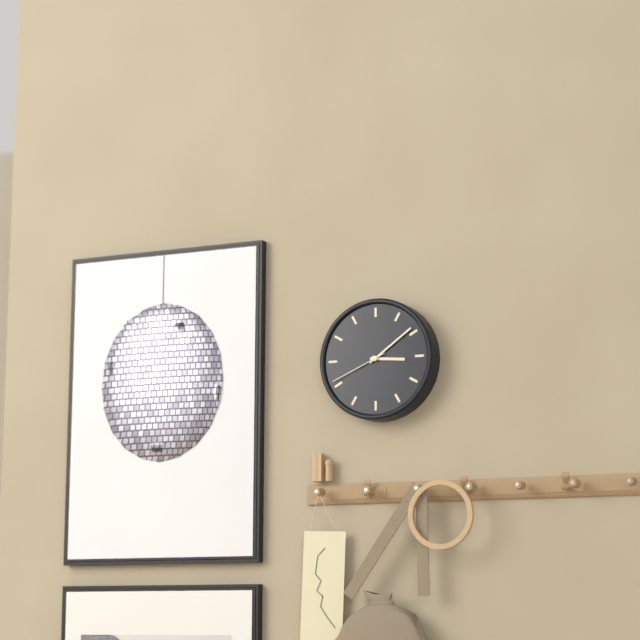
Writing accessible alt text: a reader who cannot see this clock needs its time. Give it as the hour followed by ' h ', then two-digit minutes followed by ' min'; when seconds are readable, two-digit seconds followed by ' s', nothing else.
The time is 3 h 09 min 41 s
